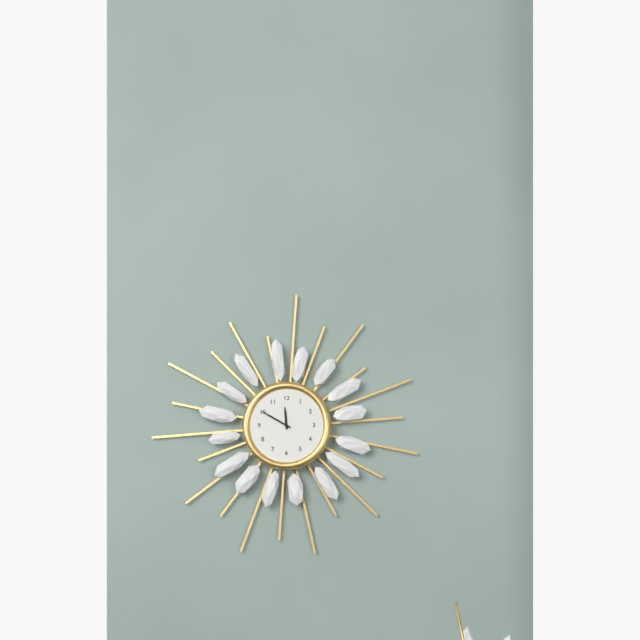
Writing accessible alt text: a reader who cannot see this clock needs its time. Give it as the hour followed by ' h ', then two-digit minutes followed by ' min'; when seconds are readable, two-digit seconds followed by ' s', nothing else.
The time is 11 h 50 min
